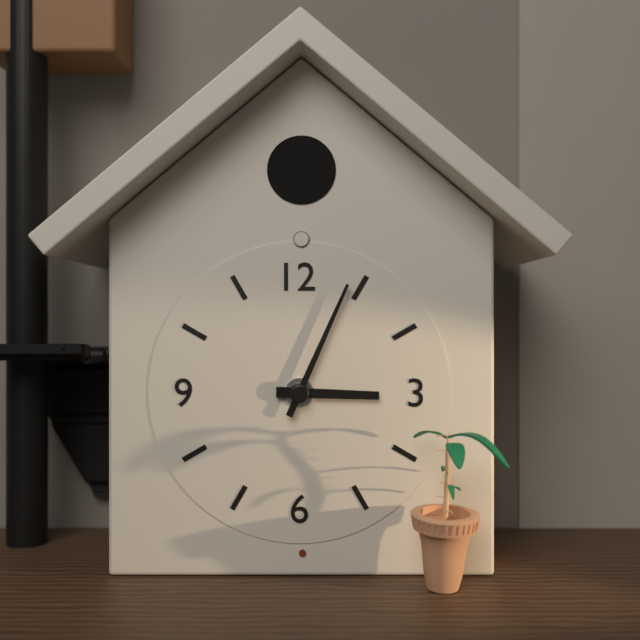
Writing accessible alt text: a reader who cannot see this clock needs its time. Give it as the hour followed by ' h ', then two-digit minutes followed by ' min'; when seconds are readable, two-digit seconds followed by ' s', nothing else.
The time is 3 h 04 min
